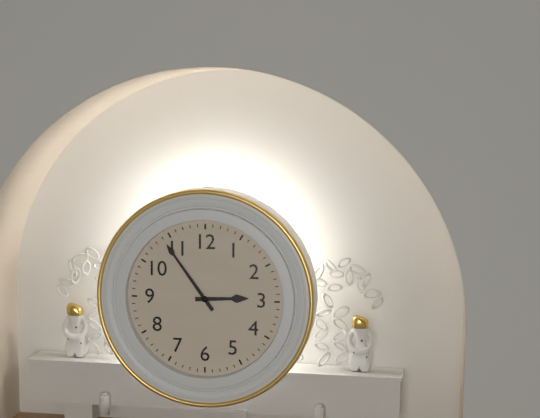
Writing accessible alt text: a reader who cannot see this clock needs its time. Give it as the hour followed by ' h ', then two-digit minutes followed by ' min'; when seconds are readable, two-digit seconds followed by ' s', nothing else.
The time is 2 h 54 min
